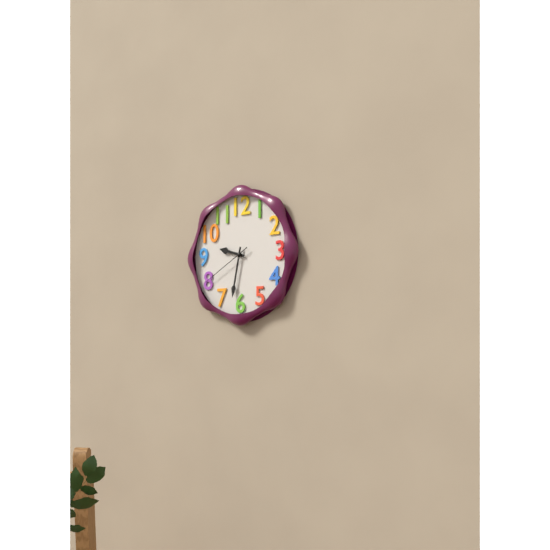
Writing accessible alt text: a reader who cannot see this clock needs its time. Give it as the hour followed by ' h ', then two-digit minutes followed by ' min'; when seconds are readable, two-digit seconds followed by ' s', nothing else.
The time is 9 h 32 min 40 s
